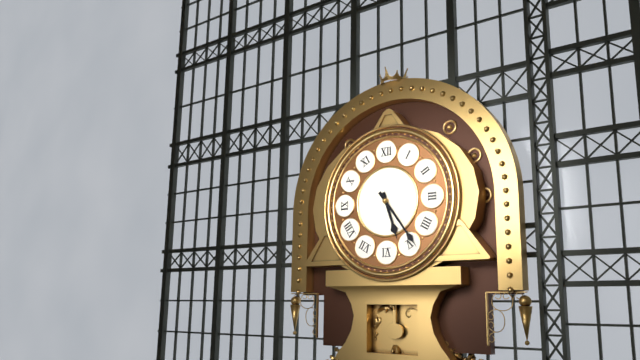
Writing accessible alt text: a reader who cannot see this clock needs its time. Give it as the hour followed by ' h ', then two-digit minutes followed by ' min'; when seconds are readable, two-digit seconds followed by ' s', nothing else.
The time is 5 h 24 min
